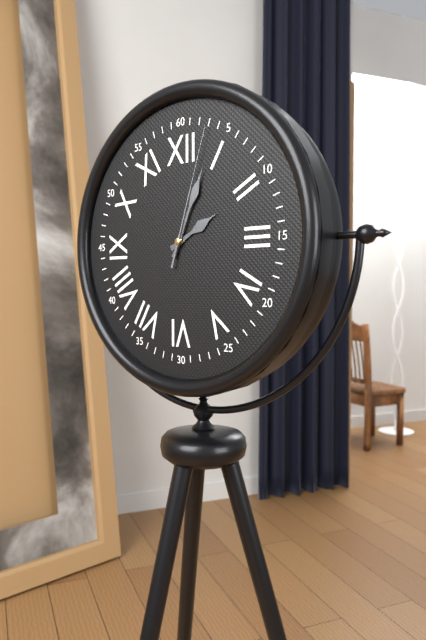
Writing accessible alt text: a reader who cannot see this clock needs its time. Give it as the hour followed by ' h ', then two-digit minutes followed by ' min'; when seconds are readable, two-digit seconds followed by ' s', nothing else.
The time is 2 h 04 min 03 s
